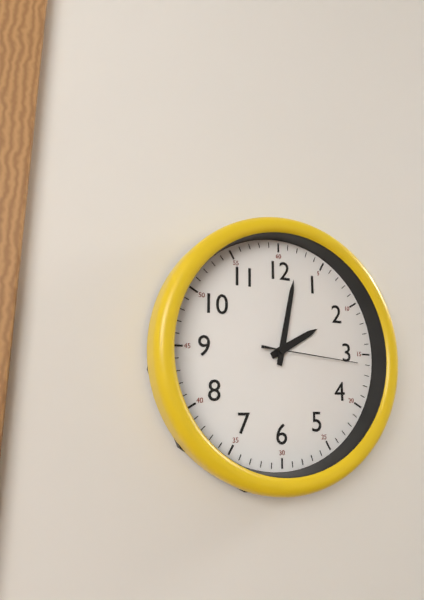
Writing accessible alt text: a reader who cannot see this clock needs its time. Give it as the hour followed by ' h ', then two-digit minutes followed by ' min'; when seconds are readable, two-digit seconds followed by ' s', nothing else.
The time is 2 h 02 min 16 s
